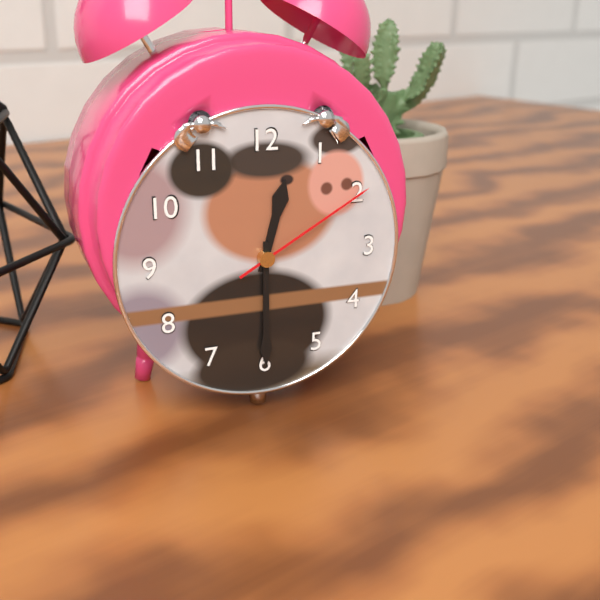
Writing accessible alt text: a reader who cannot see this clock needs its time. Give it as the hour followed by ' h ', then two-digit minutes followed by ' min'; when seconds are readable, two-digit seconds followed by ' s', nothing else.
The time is 12 h 30 min 10 s
